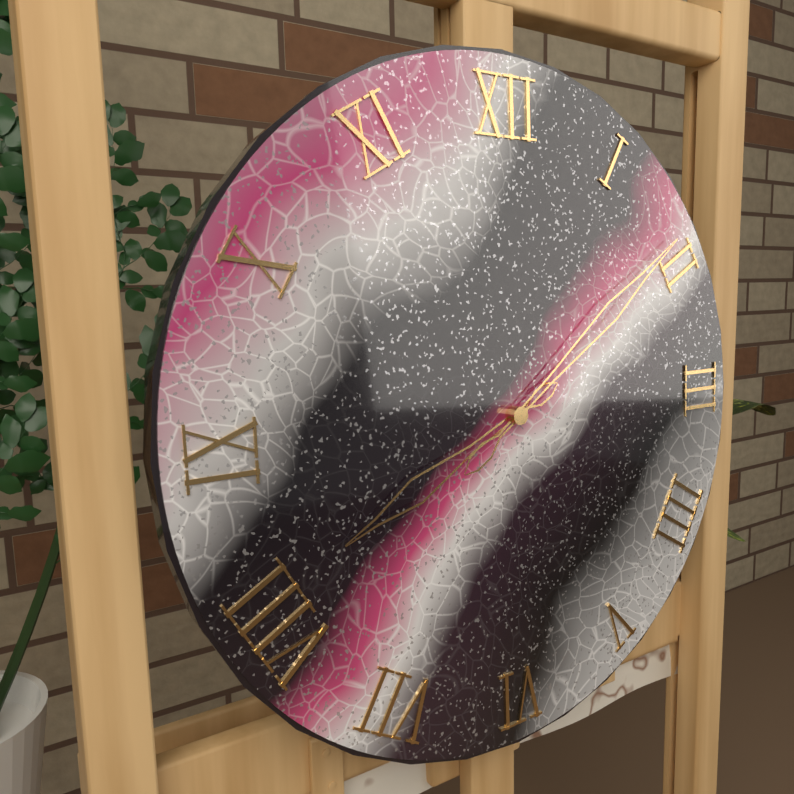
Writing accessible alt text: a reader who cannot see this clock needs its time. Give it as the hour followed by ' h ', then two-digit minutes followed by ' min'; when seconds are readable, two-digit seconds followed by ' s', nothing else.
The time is 8 h 09 min
